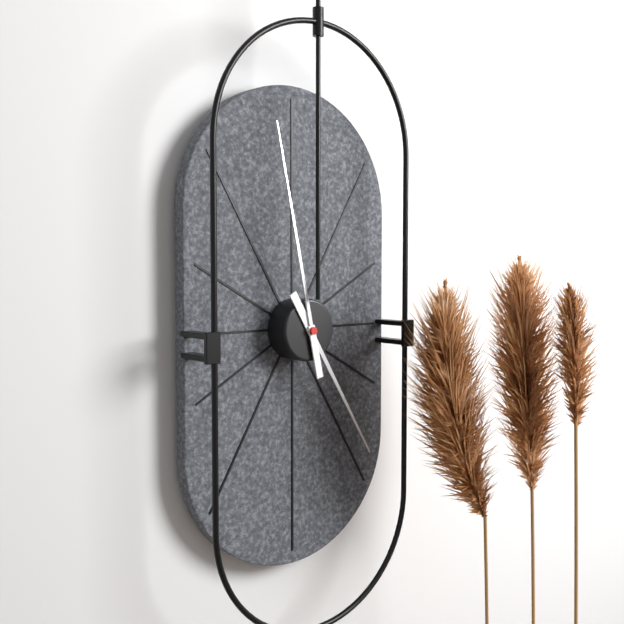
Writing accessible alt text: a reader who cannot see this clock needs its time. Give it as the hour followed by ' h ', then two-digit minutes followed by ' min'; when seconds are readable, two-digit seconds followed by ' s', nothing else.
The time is 4 h 58 min
